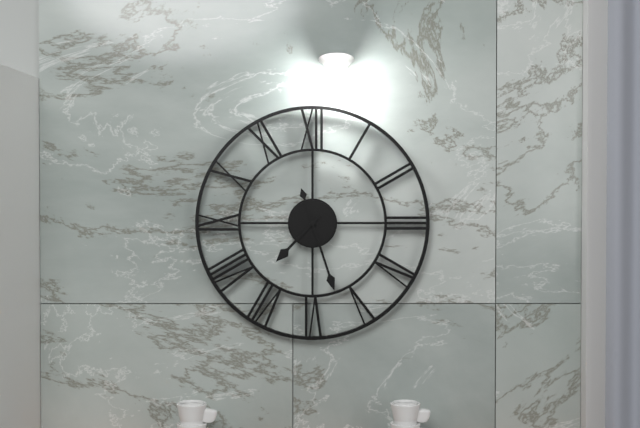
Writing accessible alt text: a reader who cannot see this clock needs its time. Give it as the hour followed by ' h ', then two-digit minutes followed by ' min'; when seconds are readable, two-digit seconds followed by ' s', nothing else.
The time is 7 h 27 min
